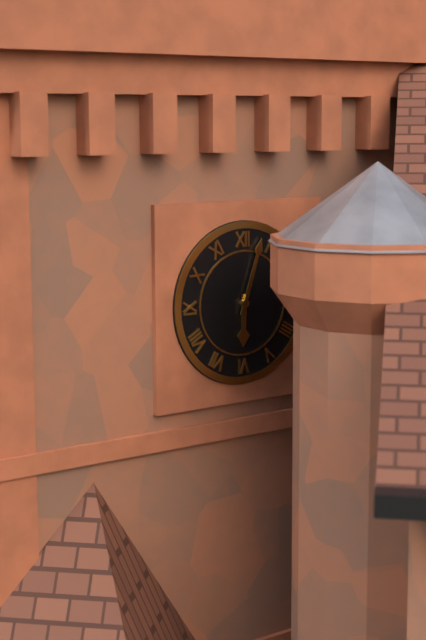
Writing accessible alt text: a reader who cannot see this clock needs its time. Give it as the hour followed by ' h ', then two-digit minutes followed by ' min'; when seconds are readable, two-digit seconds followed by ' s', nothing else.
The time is 6 h 03 min
